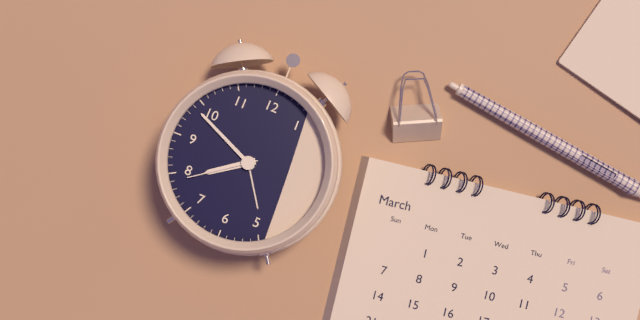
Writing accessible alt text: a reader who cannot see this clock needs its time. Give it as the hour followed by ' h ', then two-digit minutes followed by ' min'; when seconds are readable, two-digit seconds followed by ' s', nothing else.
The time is 7 h 49 min 39 s
